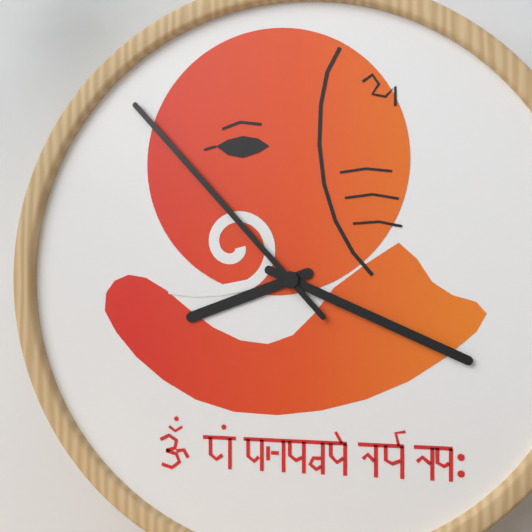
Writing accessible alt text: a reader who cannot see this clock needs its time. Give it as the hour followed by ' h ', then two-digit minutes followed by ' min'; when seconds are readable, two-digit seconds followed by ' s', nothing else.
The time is 8 h 19 min 53 s
